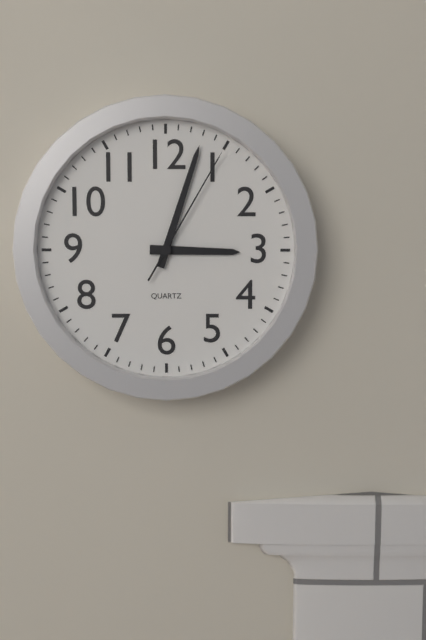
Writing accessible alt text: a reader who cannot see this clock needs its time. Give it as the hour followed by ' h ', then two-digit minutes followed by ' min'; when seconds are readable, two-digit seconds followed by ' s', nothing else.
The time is 3 h 03 min 05 s
